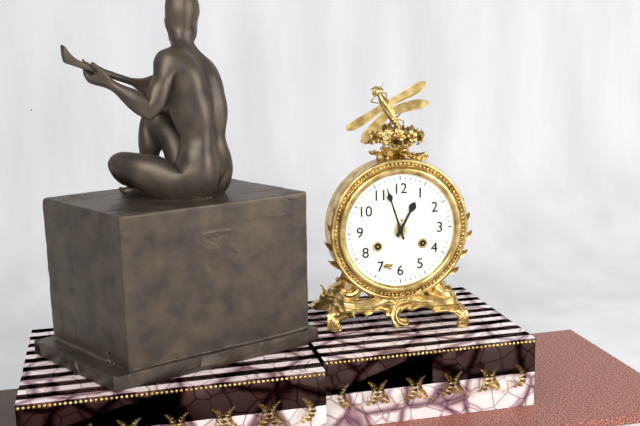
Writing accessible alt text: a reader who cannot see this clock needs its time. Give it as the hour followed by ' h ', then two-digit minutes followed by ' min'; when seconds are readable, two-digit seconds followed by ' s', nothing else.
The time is 12 h 57 min
